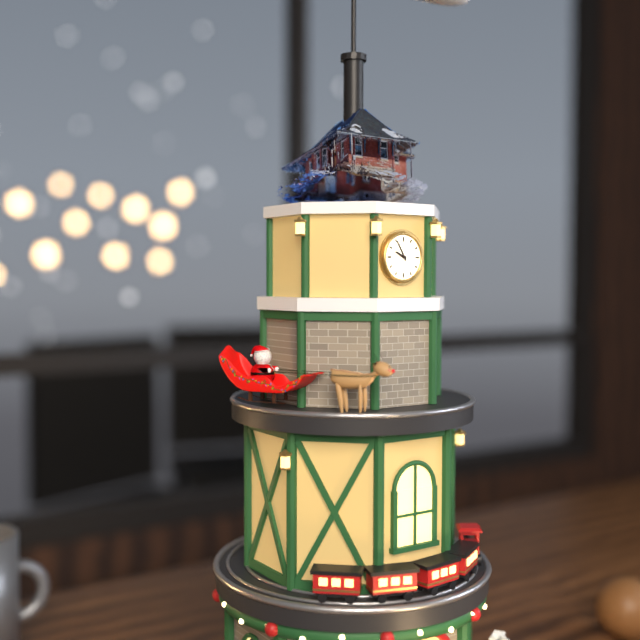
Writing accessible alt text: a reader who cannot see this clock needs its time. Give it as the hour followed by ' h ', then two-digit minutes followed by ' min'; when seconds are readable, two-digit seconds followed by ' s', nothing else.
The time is 9 h 55 min
